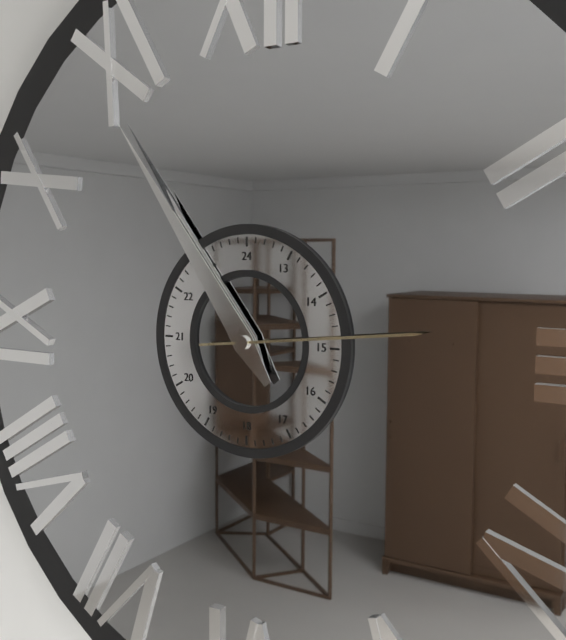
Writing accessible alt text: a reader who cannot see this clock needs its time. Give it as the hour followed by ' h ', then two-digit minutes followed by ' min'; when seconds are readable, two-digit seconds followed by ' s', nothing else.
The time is 10 h 54 min 14 s
